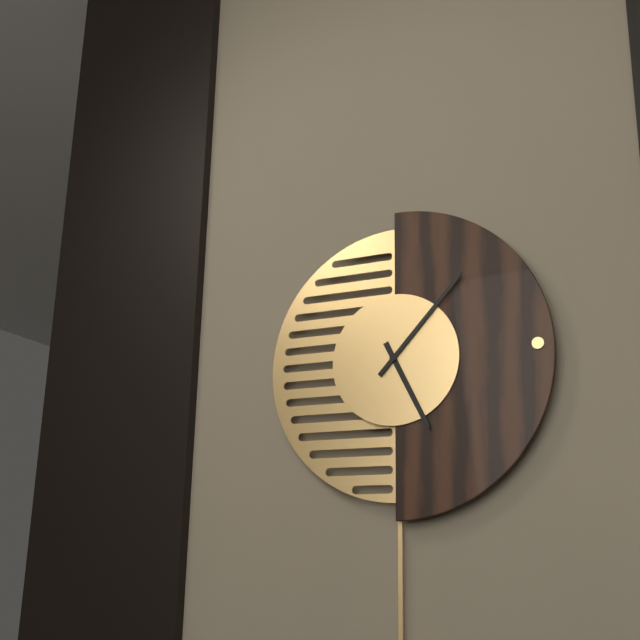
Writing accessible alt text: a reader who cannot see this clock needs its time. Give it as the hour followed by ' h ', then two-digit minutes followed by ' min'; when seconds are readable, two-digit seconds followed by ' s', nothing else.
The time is 5 h 07 min
